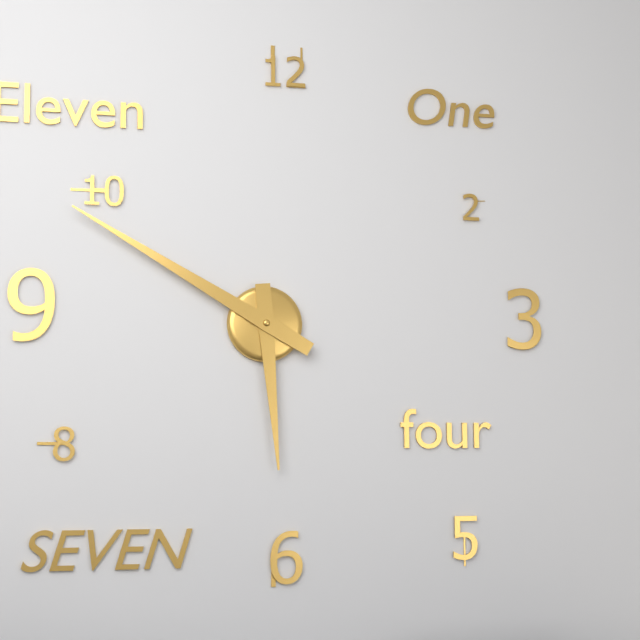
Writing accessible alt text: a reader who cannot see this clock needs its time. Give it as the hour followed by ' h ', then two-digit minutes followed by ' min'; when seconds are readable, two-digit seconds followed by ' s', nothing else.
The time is 5 h 50 min
